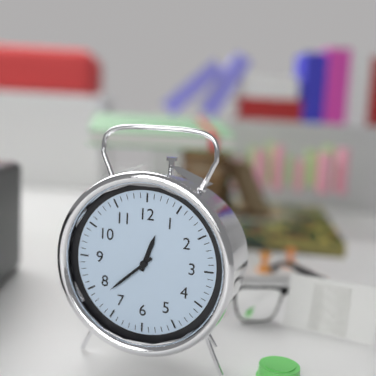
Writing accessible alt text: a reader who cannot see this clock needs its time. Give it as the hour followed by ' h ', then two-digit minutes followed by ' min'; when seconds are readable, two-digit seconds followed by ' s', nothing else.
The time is 12 h 38 min
